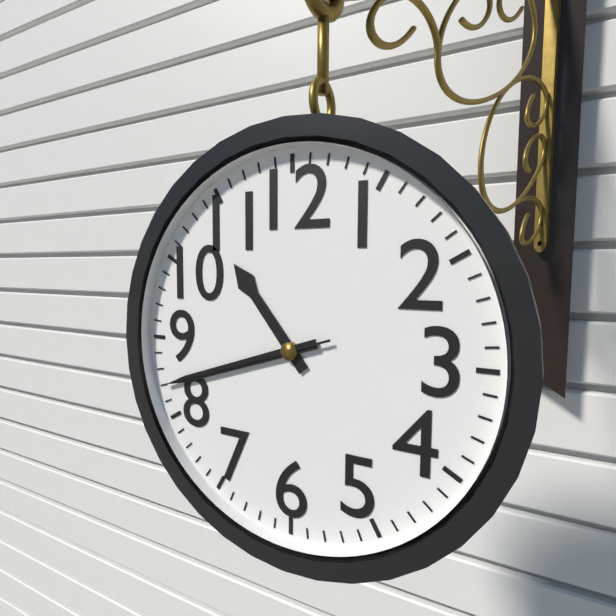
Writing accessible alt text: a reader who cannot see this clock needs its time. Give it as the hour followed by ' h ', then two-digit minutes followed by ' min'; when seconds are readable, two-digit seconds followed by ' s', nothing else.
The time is 10 h 42 min 42 s
